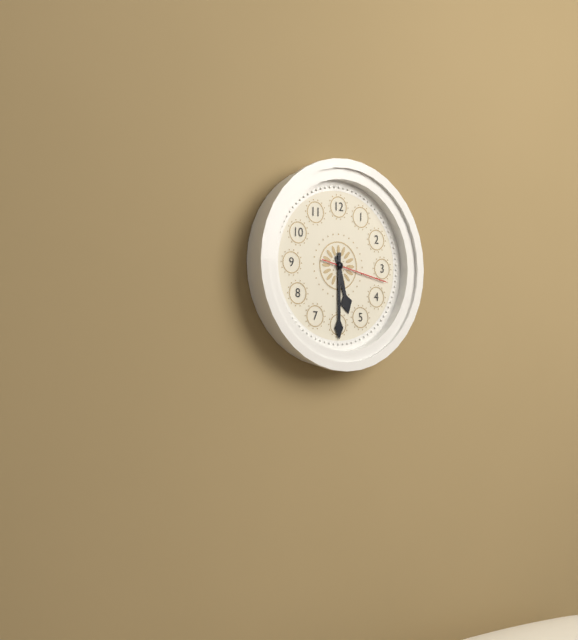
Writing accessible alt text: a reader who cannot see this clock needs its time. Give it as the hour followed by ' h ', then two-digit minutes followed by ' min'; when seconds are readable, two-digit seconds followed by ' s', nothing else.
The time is 5 h 30 min 17 s
